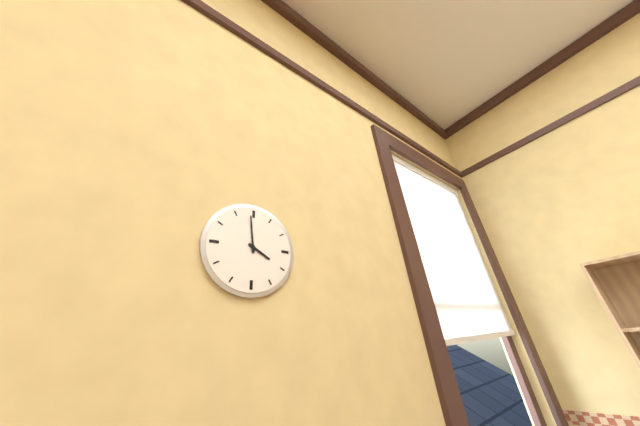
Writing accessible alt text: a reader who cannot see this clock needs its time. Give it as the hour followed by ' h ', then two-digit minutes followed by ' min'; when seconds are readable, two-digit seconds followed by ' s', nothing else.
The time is 3 h 59 min
